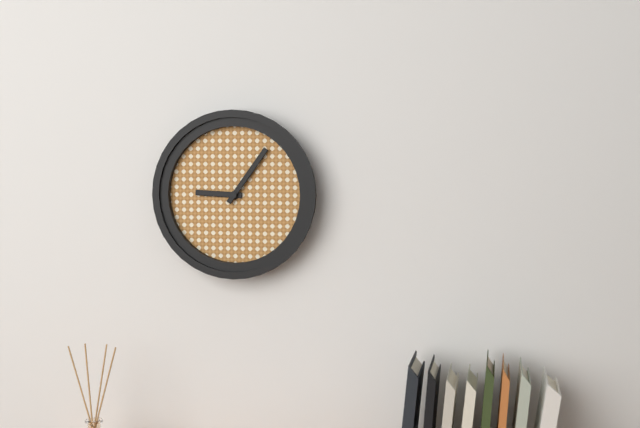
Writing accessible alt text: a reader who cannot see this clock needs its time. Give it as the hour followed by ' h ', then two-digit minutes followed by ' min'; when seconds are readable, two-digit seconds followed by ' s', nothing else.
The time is 9 h 06 min
